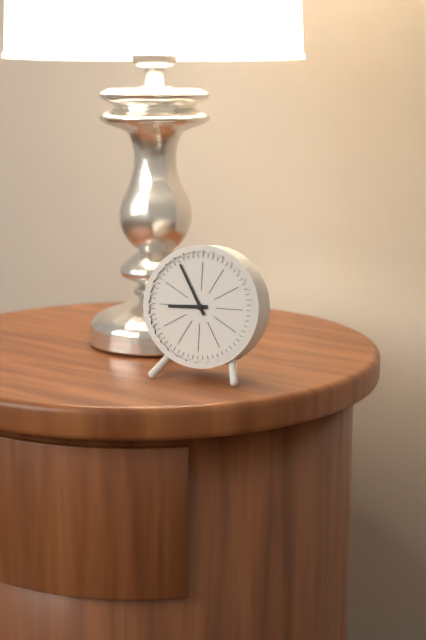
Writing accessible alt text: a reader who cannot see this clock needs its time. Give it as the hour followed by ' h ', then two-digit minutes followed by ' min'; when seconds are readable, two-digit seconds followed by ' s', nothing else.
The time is 8 h 55 min
